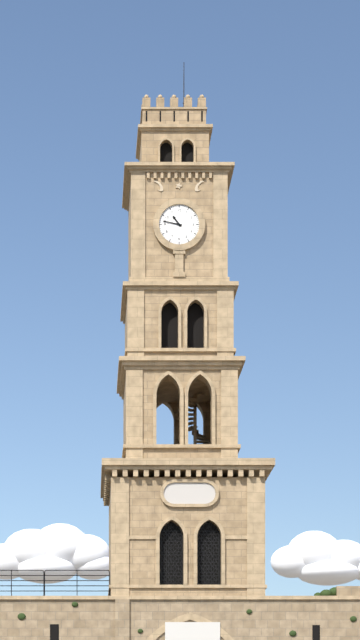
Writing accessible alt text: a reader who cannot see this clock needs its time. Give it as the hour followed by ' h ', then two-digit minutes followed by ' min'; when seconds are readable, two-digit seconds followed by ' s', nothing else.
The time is 10 h 47 min
